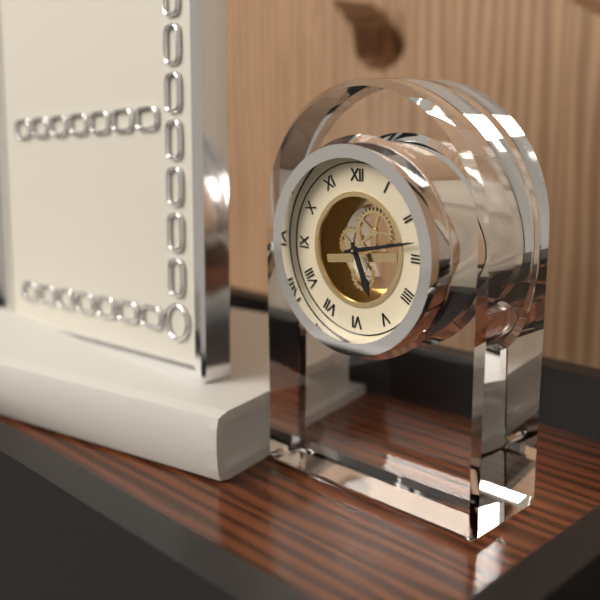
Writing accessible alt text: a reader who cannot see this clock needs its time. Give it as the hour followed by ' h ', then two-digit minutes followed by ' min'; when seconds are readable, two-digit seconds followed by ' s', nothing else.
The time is 5 h 13 min
